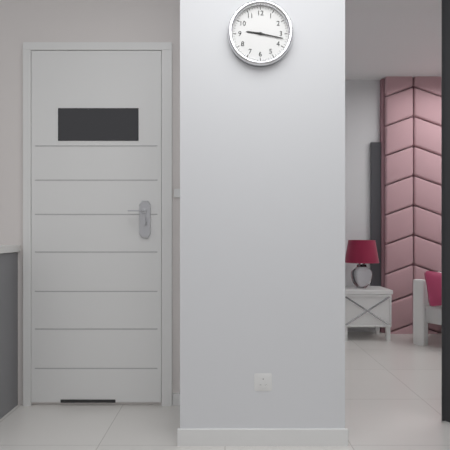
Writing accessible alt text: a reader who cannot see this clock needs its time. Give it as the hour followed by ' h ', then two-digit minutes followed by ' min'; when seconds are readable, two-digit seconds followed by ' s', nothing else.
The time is 9 h 17 min
